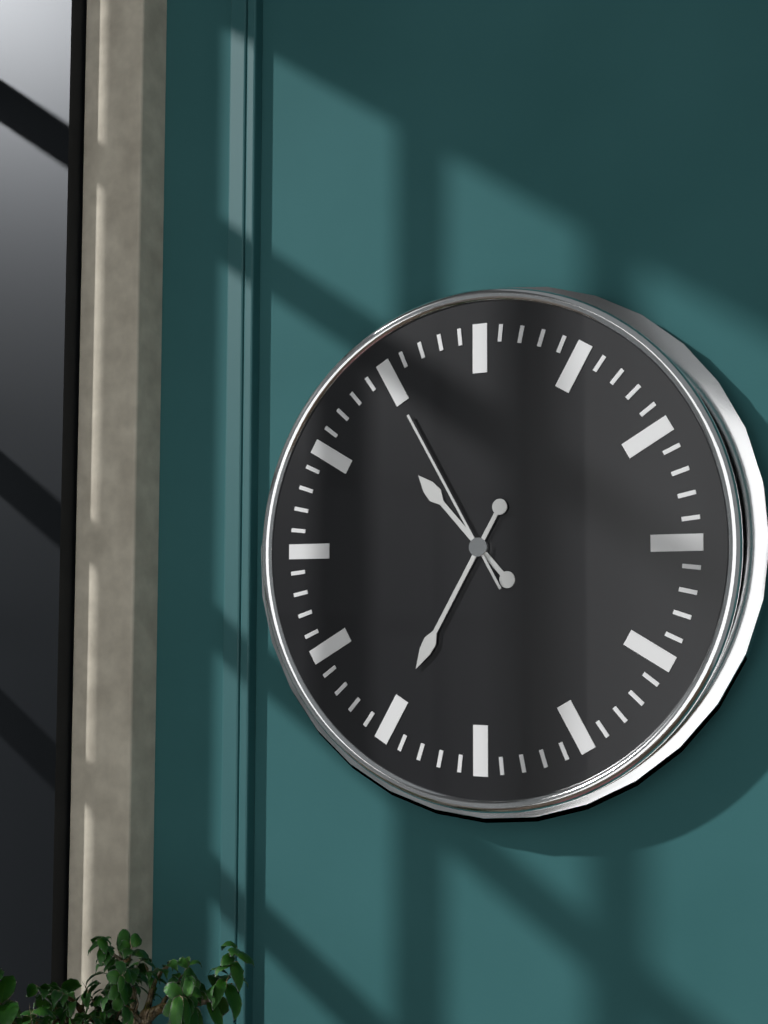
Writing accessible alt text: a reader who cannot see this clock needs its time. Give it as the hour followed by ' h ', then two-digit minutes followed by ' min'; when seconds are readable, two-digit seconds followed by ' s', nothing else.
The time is 10 h 35 min 55 s
